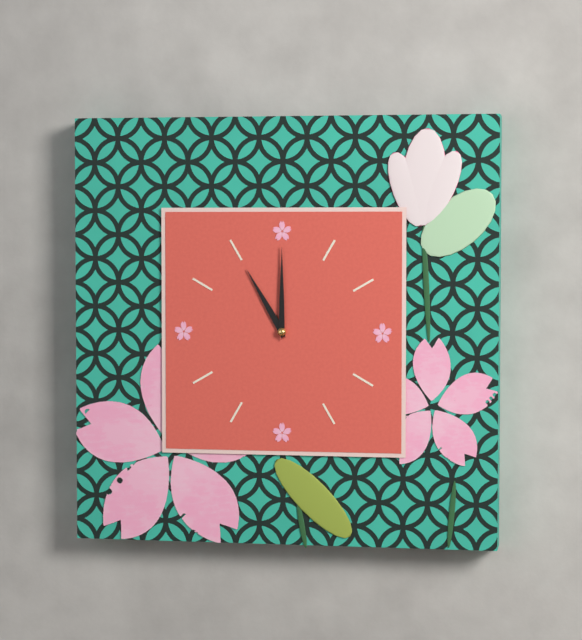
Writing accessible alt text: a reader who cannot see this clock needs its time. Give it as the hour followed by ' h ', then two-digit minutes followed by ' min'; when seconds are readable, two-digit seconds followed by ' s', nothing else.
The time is 11 h 00 min
